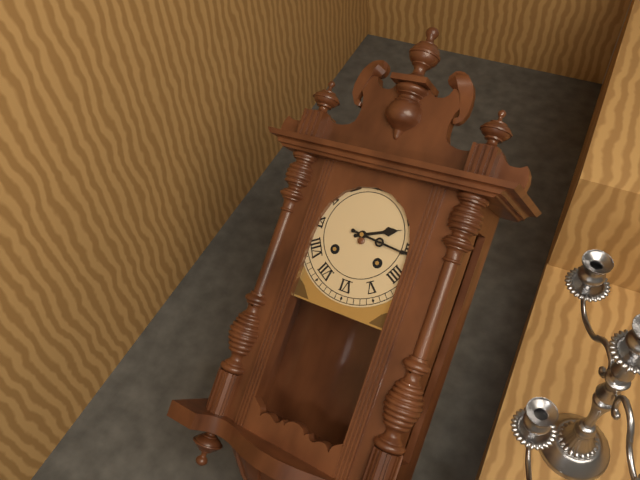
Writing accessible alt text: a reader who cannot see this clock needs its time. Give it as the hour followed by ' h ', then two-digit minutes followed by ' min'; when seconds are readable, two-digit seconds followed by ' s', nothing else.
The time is 2 h 16 min
